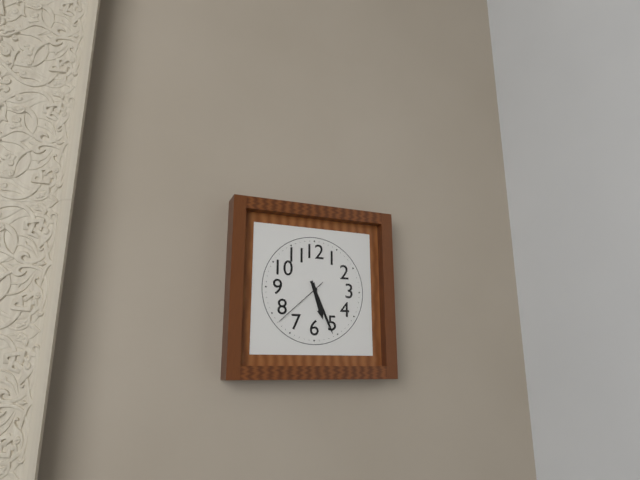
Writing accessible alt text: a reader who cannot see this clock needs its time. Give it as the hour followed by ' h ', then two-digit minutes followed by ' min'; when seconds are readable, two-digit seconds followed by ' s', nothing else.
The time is 5 h 26 min 38 s
